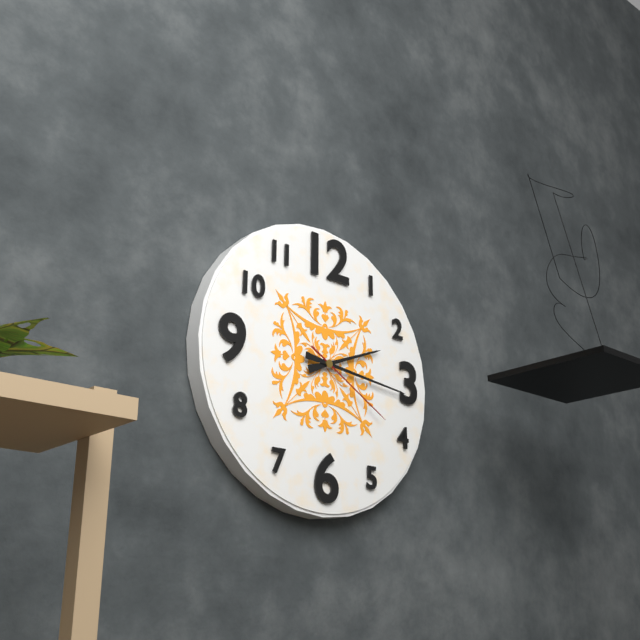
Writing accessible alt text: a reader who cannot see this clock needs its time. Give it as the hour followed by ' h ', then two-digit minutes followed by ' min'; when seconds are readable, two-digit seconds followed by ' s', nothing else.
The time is 2 h 16 min 20 s
